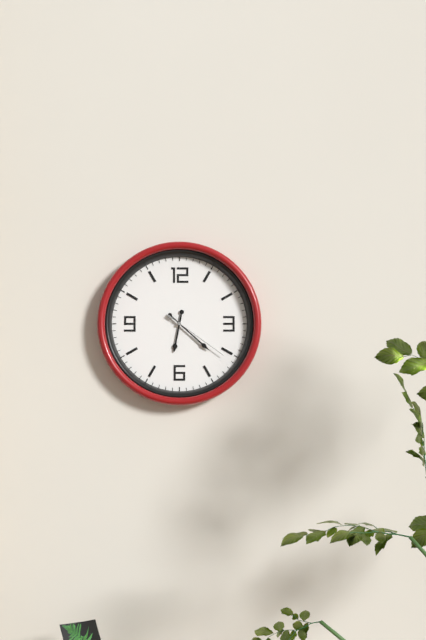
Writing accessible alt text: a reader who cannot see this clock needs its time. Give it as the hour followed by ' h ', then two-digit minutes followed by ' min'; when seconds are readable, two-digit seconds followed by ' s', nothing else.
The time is 6 h 22 min 21 s
